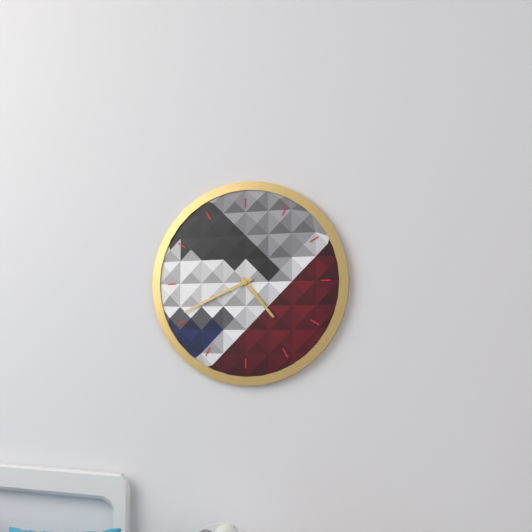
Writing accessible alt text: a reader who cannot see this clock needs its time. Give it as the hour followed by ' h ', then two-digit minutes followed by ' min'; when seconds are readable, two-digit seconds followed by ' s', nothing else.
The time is 4 h 41 min
